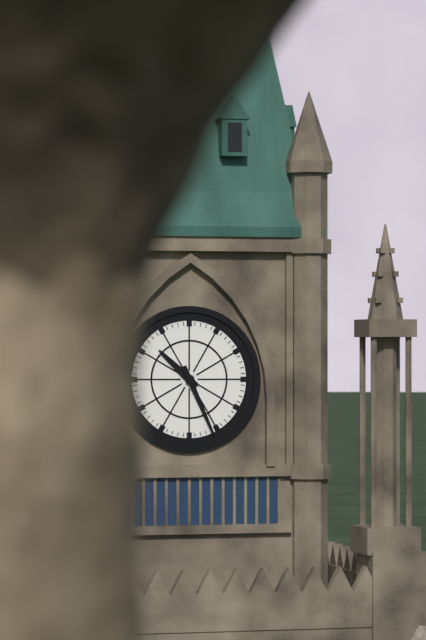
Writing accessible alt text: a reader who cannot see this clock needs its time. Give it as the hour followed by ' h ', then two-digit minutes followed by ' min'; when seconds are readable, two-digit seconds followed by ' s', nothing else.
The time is 10 h 26 min
